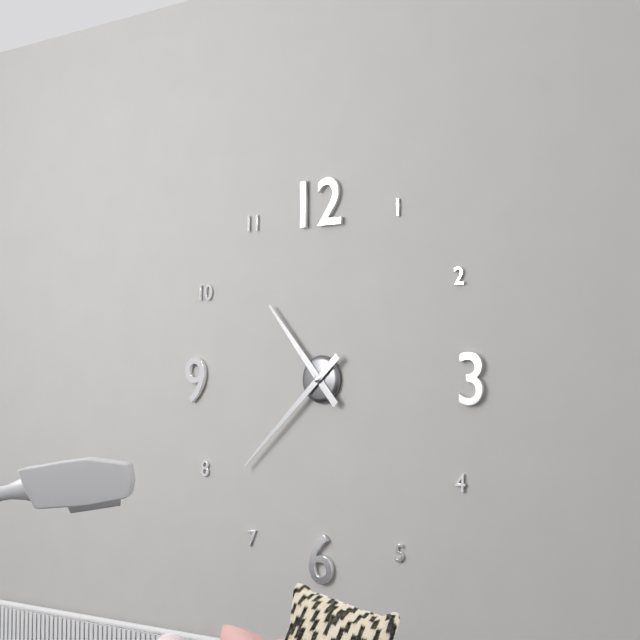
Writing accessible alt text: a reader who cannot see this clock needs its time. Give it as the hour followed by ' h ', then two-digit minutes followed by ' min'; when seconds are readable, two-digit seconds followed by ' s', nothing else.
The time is 10 h 38 min
